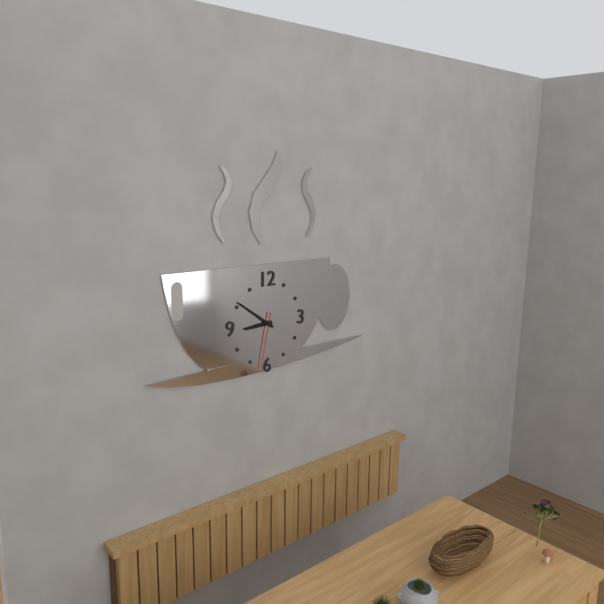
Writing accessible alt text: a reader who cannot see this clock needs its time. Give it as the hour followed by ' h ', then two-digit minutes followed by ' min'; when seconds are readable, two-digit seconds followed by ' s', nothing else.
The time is 8 h 51 min 32 s
